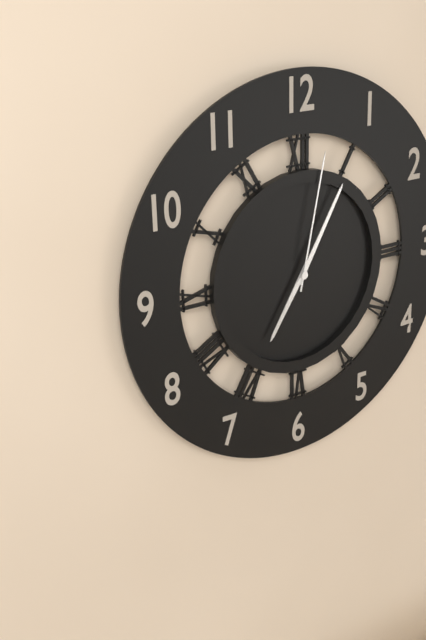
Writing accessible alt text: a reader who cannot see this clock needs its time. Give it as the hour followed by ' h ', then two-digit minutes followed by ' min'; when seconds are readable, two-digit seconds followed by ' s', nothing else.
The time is 7 h 05 min 02 s
